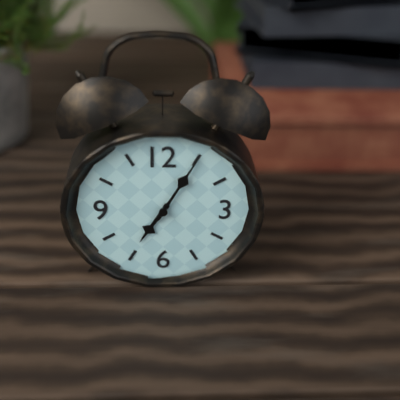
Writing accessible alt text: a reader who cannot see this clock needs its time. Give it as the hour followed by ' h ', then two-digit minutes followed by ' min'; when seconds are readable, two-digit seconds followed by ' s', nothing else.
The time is 7 h 05 min
